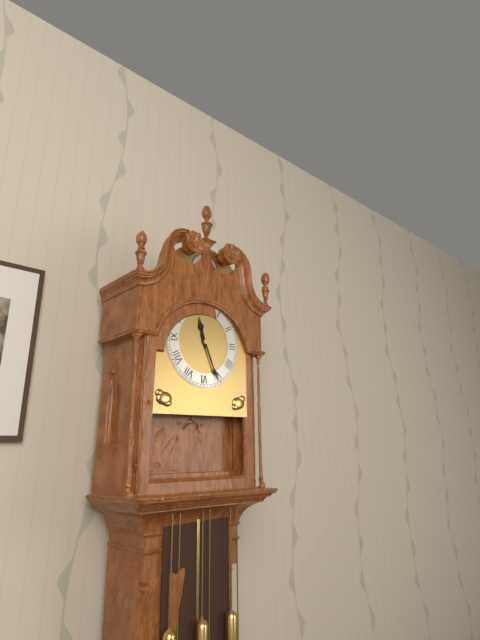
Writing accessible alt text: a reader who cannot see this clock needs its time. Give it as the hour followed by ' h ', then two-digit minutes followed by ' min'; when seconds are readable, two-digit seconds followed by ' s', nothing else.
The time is 11 h 26 min
